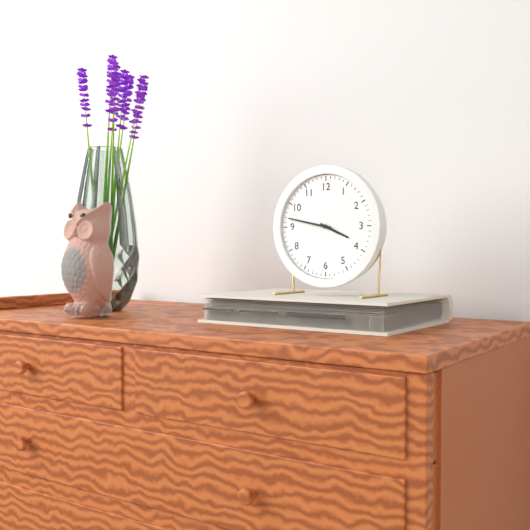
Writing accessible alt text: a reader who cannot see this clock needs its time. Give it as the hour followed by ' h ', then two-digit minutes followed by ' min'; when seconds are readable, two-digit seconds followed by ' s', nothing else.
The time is 3 h 47 min
